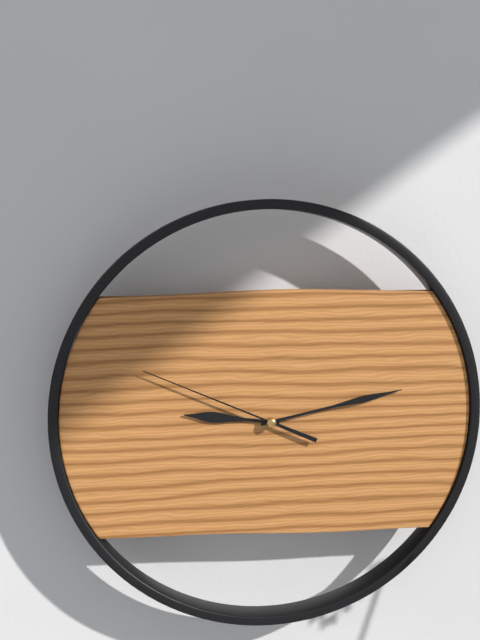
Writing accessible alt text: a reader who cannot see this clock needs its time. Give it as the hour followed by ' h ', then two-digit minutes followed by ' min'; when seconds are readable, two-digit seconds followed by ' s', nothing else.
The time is 9 h 13 min 49 s
